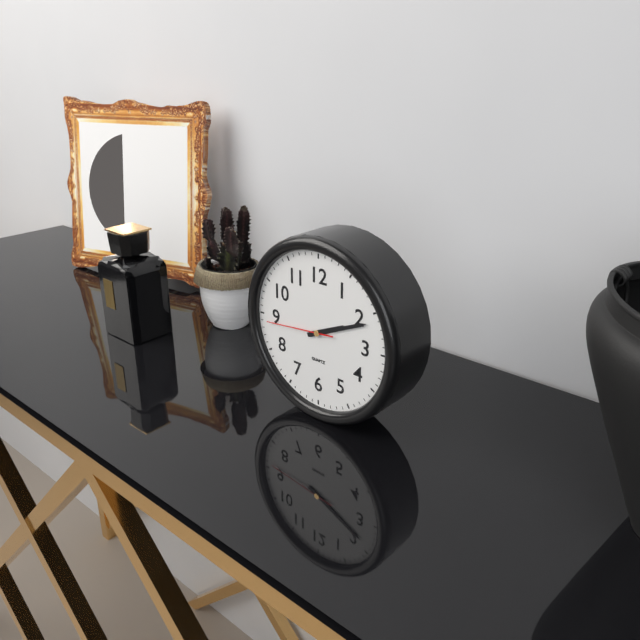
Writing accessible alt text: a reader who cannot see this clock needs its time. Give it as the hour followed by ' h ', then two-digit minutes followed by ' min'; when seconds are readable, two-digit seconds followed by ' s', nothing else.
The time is 2 h 11 min 44 s
